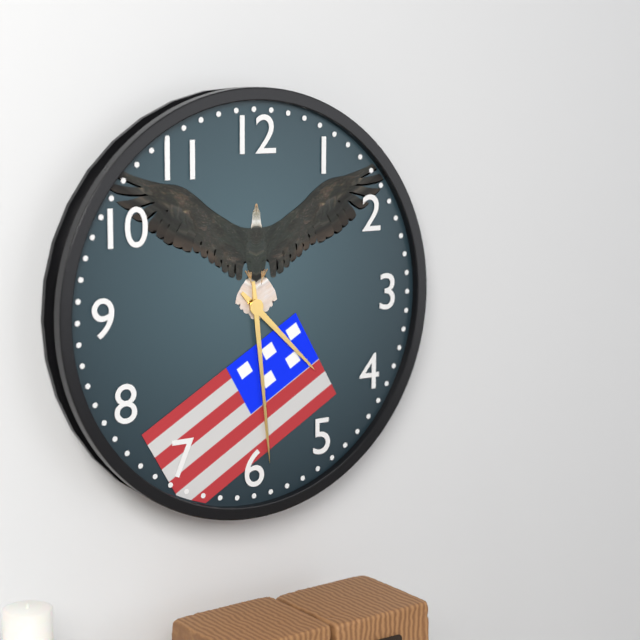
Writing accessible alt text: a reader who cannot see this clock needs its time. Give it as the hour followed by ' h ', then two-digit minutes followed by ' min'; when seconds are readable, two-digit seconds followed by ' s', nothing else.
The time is 4 h 29 min
